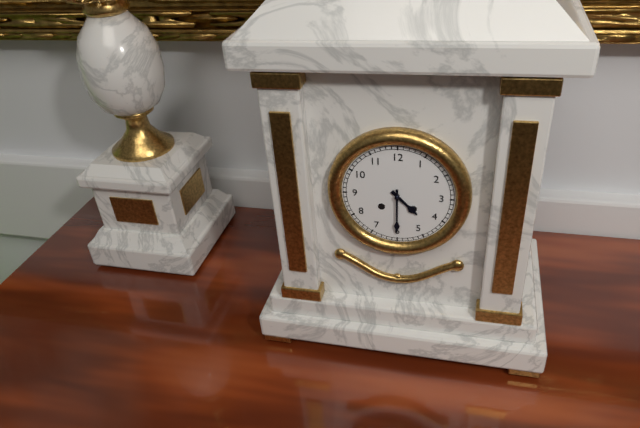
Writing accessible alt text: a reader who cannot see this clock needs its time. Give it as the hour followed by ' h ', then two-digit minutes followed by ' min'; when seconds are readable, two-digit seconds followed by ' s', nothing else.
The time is 4 h 30 min
